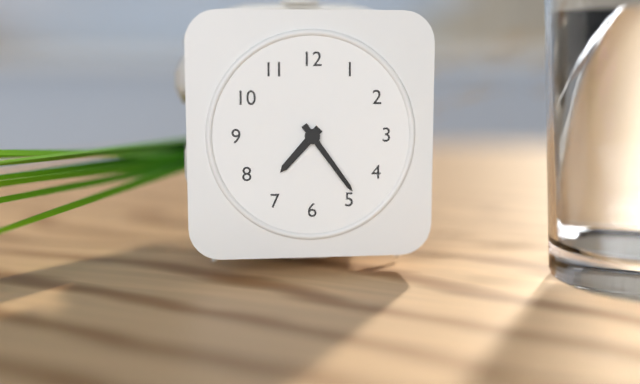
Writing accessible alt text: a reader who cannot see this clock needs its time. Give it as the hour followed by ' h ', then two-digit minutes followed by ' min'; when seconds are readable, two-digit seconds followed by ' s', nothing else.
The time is 7 h 24 min
